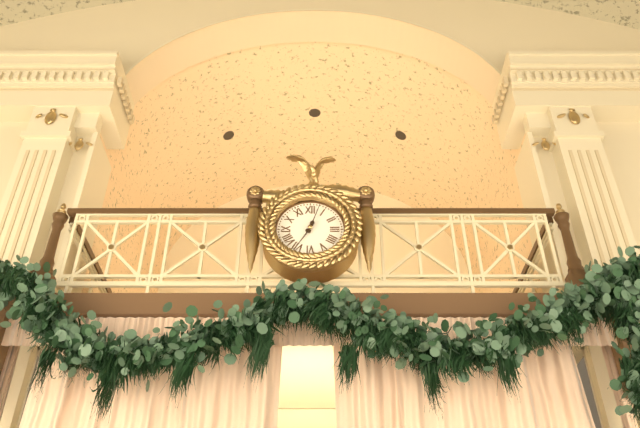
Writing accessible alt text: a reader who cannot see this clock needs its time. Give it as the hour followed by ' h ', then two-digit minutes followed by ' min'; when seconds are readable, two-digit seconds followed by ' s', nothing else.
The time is 7 h 03 min
